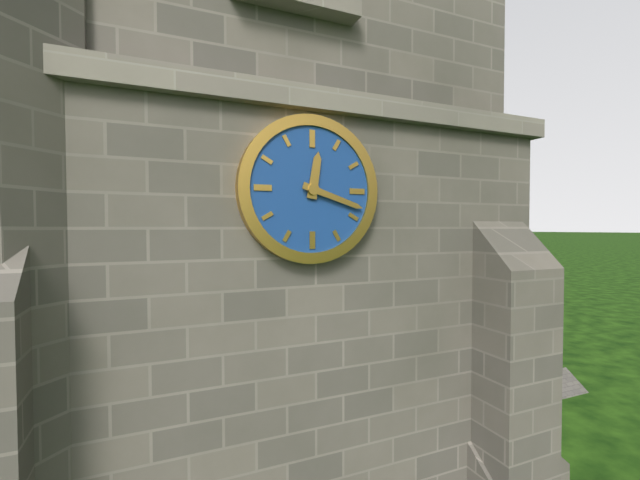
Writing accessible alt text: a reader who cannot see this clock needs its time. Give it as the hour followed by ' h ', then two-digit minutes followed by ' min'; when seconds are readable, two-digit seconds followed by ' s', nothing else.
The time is 12 h 18 min
